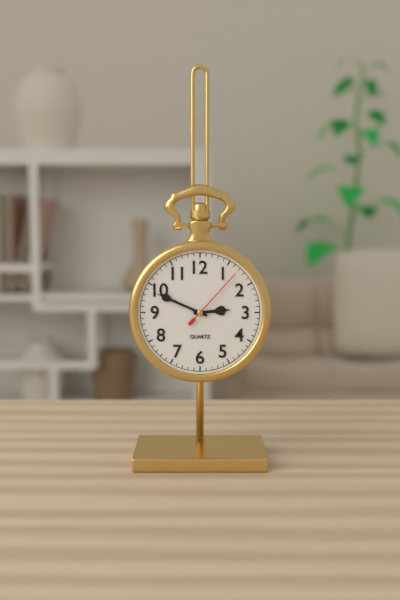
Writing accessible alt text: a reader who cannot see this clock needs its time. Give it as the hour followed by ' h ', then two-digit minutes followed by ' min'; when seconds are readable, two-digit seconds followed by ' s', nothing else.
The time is 2 h 49 min 07 s
